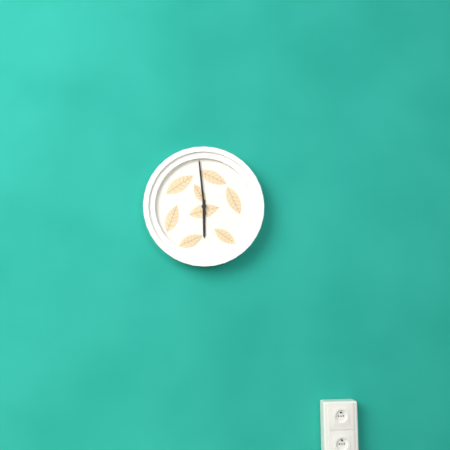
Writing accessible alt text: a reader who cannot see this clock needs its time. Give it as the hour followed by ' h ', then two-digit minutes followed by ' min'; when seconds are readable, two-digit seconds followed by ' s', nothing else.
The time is 5 h 59 min
